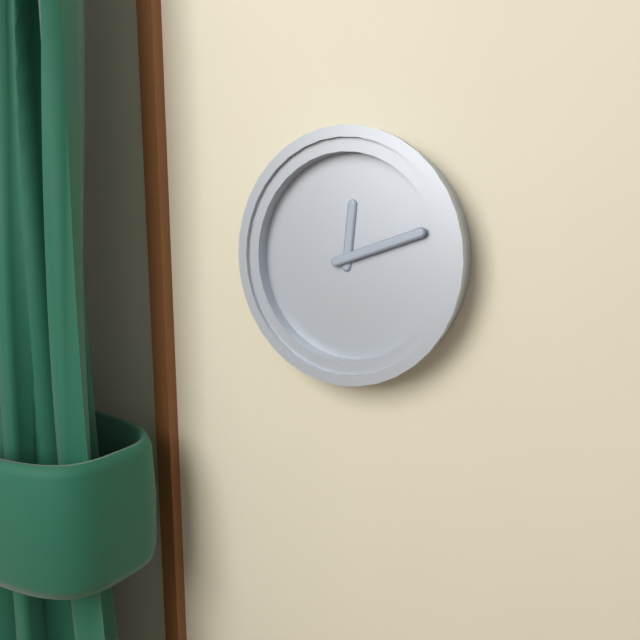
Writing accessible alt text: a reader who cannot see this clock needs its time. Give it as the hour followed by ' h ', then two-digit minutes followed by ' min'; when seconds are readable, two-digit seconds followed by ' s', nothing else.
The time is 12 h 12 min
